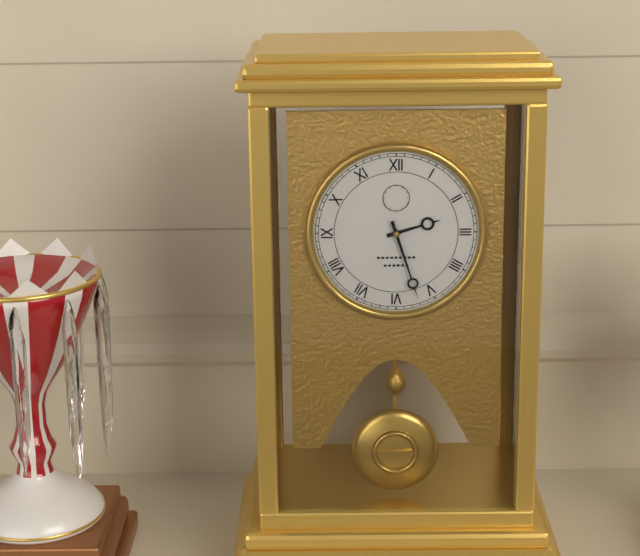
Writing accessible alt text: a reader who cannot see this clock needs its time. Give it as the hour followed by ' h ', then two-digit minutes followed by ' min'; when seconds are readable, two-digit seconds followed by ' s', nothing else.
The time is 2 h 27 min
